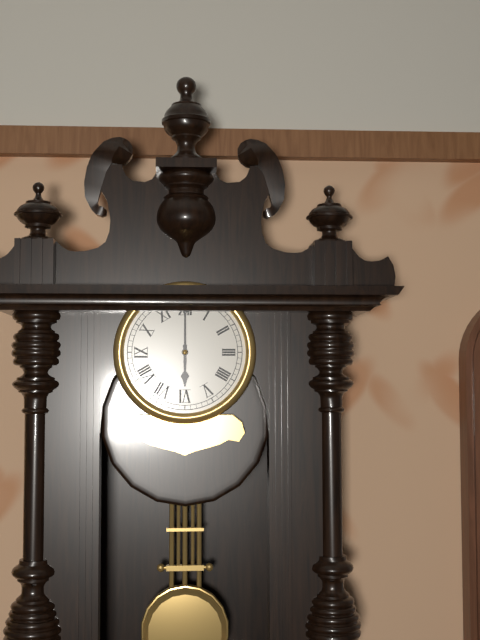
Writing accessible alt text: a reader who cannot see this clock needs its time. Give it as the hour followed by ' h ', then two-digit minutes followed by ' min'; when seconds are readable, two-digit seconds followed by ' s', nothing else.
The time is 6 h 00 min
